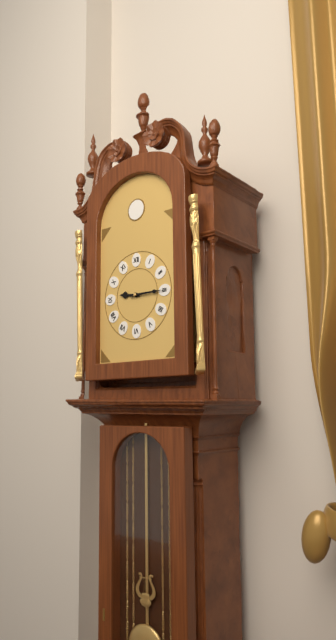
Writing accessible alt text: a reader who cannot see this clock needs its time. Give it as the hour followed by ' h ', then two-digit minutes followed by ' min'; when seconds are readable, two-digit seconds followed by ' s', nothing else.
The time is 9 h 15 min
